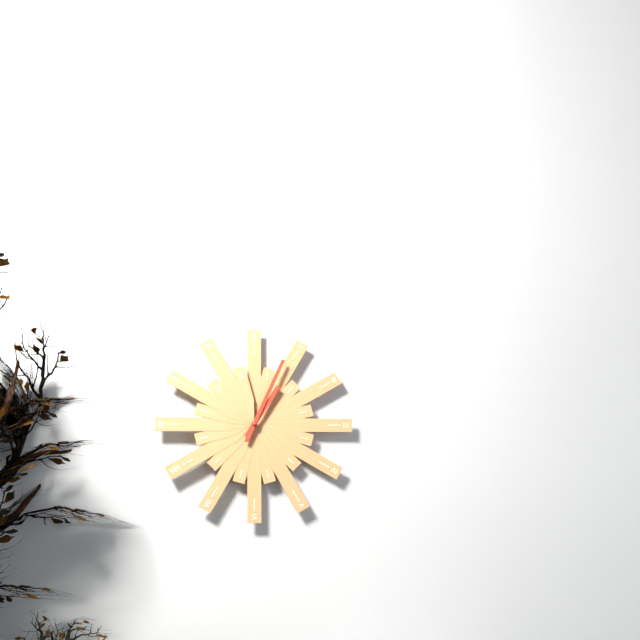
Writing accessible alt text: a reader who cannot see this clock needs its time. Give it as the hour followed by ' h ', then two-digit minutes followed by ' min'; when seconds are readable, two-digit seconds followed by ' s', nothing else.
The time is 1 h 04 min
